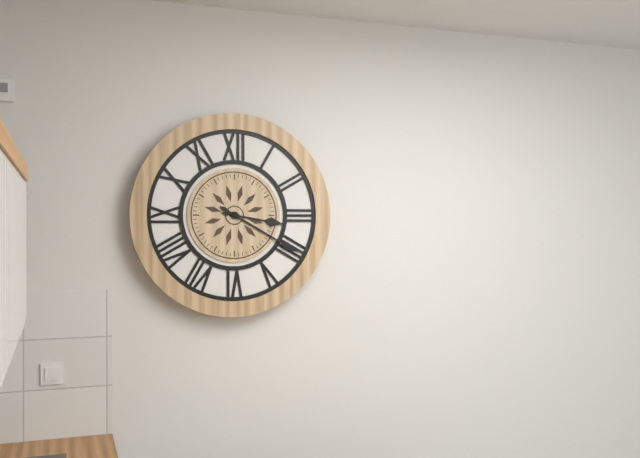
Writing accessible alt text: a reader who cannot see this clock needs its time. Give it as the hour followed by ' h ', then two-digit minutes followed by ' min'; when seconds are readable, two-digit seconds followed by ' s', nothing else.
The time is 3 h 20 min
